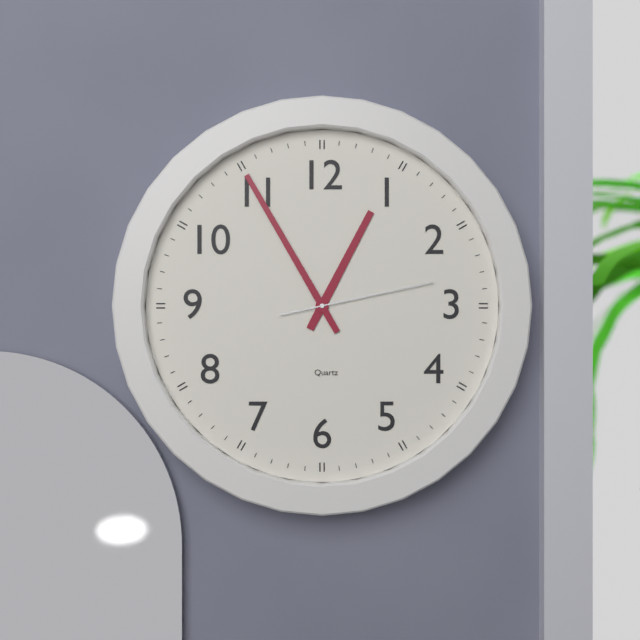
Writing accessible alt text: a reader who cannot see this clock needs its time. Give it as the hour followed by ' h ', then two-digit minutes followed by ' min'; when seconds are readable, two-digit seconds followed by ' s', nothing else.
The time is 12 h 55 min 13 s
